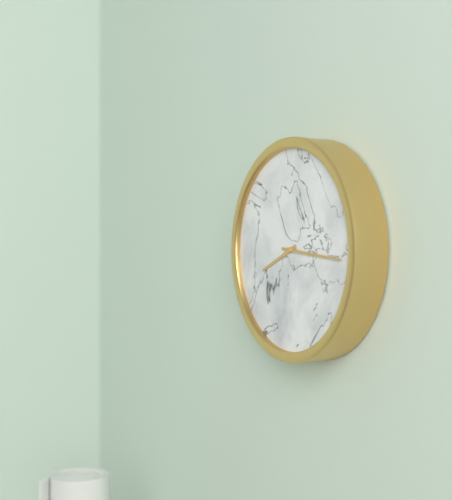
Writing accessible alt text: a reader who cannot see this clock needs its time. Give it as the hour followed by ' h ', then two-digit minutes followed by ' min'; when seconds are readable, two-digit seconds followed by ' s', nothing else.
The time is 8 h 16 min
